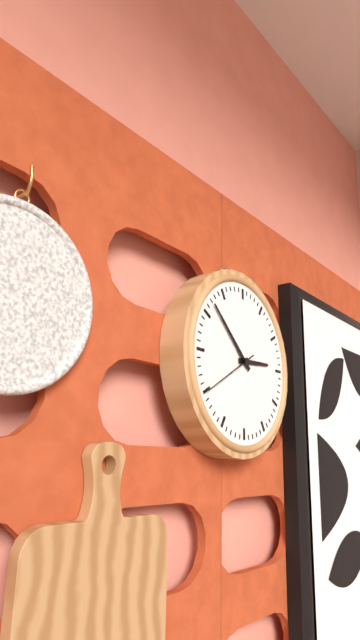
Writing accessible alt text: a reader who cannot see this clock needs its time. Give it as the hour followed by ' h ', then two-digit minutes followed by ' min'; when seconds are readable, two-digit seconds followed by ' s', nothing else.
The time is 2 h 52 min 40 s
